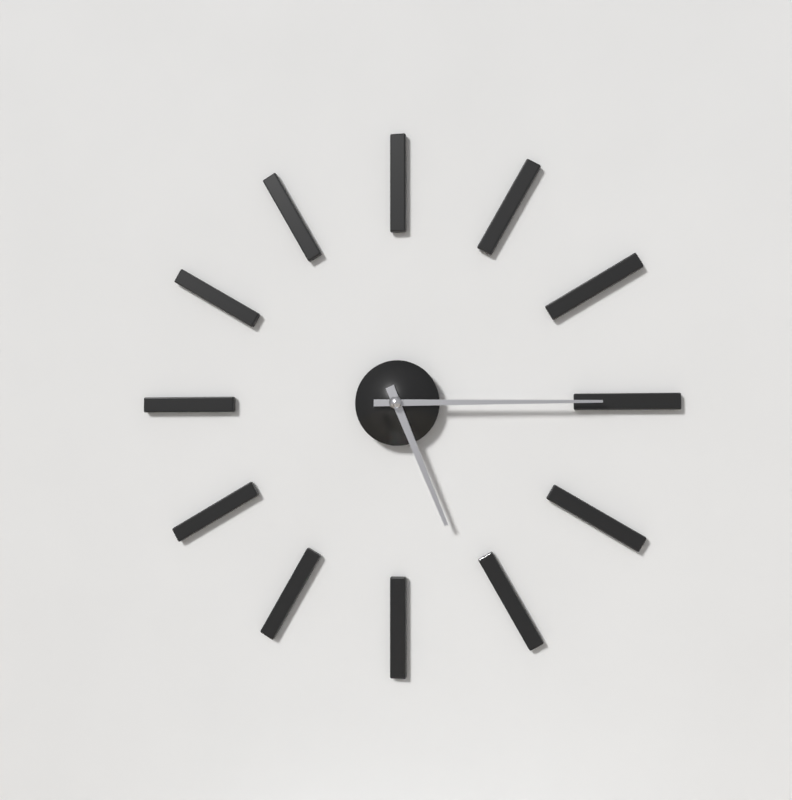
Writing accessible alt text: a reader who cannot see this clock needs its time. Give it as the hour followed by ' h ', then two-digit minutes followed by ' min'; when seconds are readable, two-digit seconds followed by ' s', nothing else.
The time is 5 h 15 min
